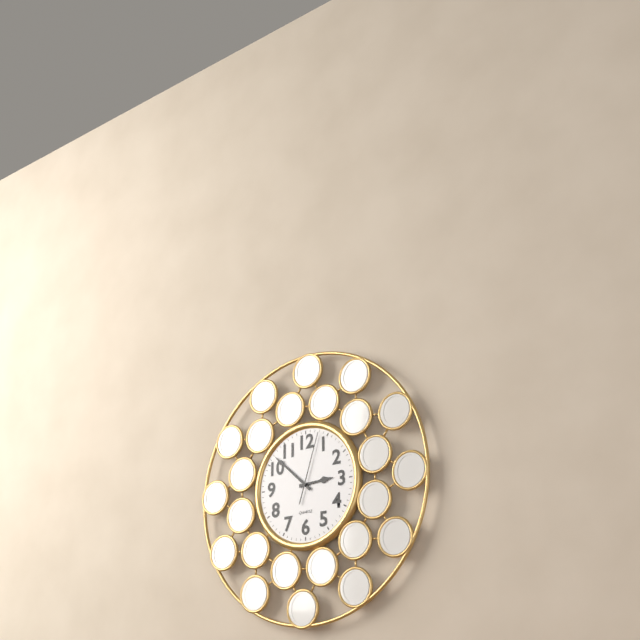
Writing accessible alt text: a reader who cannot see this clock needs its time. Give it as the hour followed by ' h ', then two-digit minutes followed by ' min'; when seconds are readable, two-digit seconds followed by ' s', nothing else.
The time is 2 h 52 min 03 s
